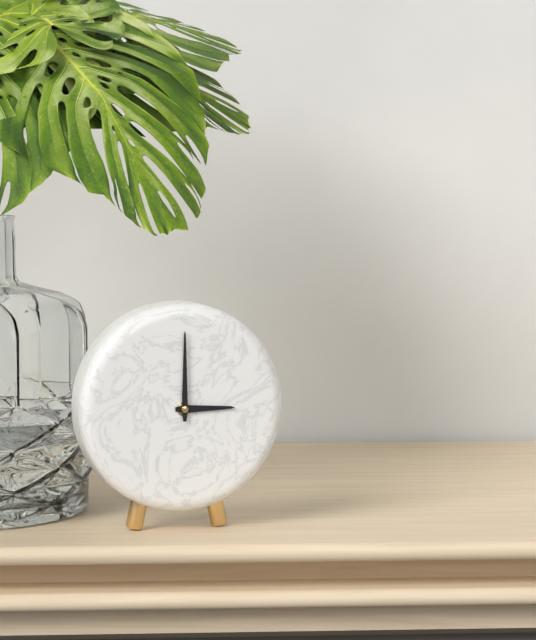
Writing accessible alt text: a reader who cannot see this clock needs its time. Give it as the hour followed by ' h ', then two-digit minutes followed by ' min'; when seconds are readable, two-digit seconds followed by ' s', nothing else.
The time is 3 h 00 min
